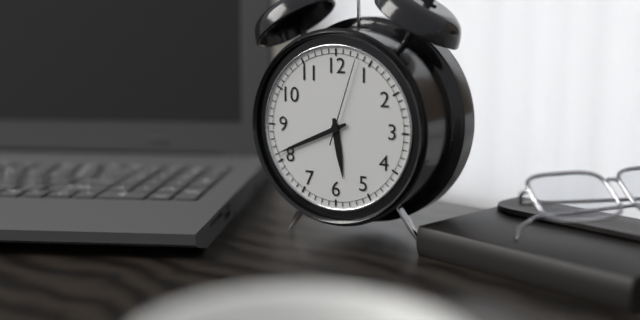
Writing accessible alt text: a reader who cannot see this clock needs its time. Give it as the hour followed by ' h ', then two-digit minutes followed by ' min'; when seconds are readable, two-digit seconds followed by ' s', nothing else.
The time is 5 h 41 min 03 s
